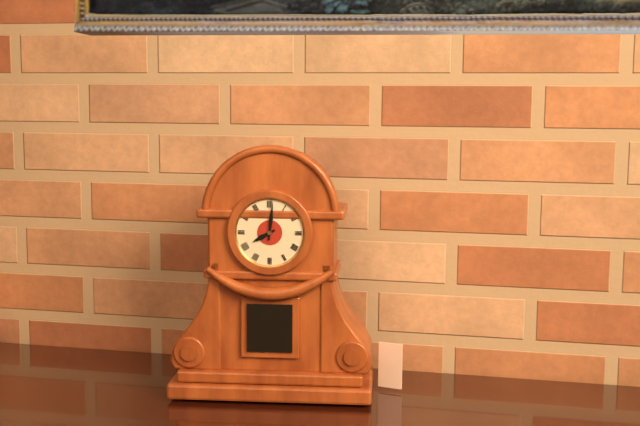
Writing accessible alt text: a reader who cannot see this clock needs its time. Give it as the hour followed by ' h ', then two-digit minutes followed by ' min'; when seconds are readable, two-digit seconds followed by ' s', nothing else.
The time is 8 h 01 min
